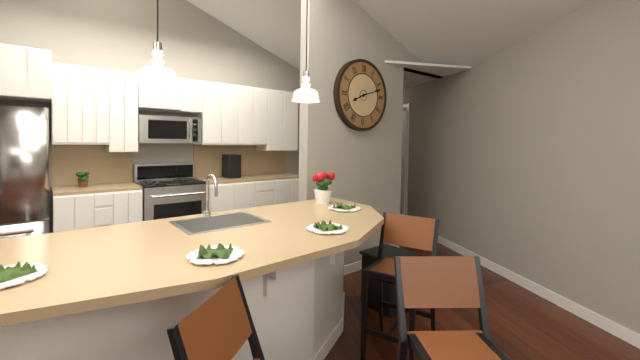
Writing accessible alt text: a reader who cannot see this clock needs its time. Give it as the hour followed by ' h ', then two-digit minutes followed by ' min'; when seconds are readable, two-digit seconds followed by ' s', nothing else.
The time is 8 h 12 min
